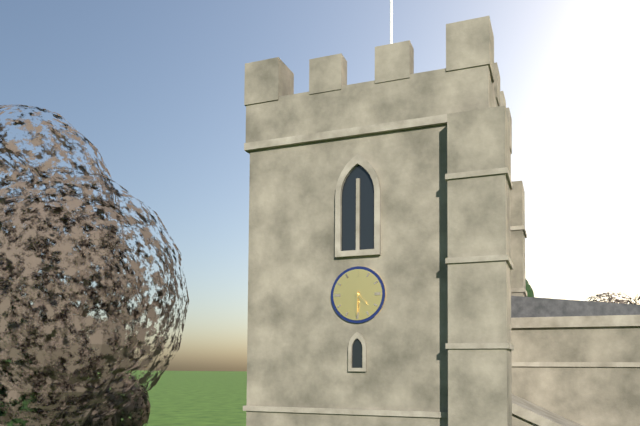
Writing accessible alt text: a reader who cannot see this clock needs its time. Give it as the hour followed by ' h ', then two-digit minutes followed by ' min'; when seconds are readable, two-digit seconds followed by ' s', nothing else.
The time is 4 h 30 min
